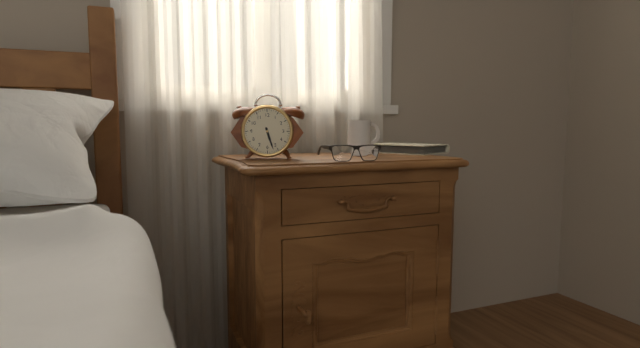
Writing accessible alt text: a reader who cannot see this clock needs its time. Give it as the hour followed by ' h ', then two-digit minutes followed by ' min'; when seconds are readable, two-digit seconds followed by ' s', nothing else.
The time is 5 h 27 min
